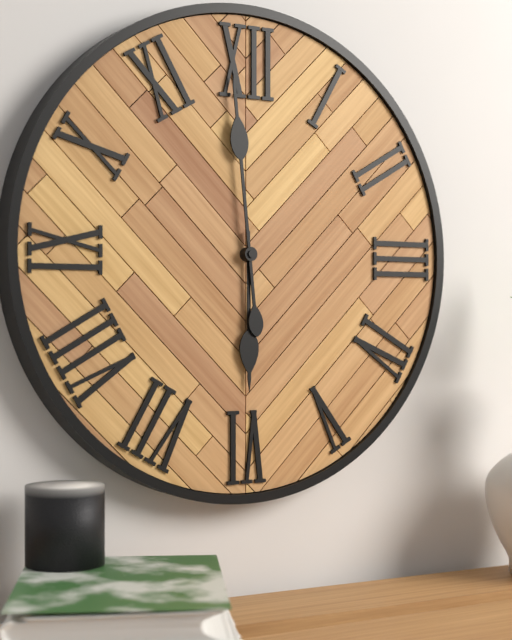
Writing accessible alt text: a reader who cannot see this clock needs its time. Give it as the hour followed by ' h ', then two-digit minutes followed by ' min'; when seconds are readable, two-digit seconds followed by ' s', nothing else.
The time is 5 h 59 min
